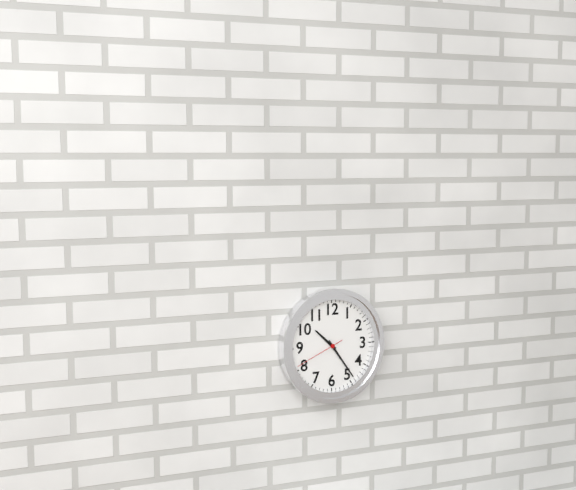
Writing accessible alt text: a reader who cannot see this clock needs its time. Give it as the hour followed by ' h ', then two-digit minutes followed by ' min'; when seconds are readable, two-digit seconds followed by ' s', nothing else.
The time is 10 h 24 min 41 s
